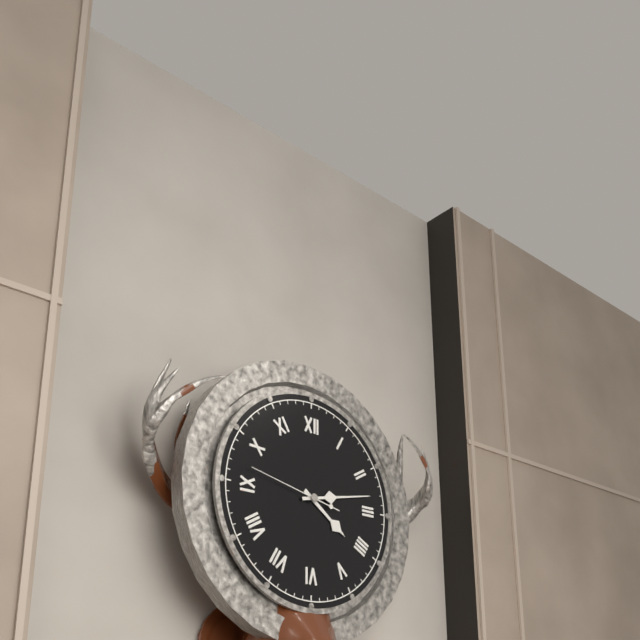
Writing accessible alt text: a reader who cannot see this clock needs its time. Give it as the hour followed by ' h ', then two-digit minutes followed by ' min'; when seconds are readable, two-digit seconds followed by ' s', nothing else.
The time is 4 h 13 min 47 s
